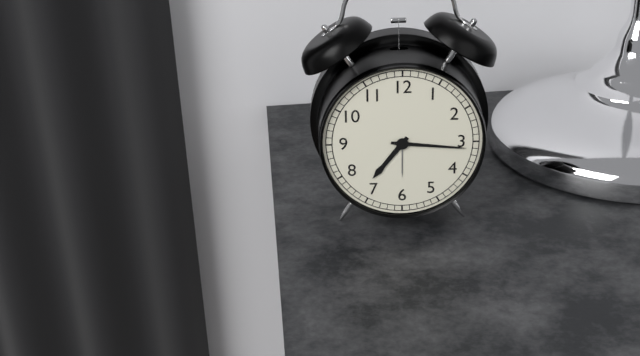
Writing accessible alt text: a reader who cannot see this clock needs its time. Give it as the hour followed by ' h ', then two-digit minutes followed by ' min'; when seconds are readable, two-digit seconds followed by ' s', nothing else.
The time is 7 h 16 min
